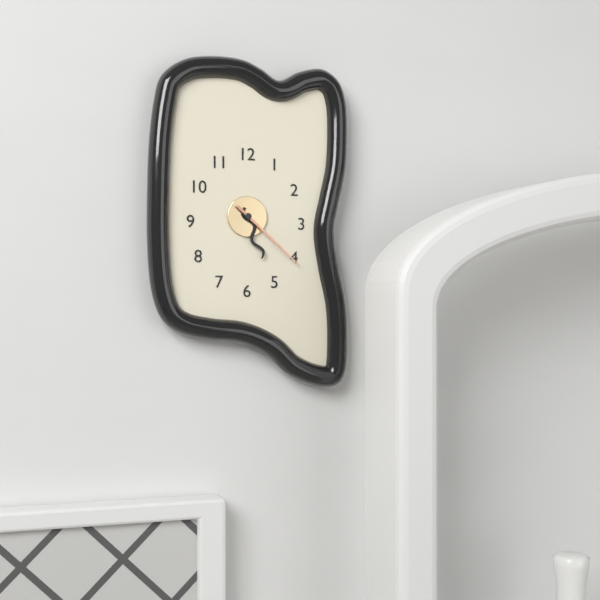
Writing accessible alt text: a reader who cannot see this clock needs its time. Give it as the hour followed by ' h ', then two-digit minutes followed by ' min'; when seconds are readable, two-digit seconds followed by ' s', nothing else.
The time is 5 h 22 min
